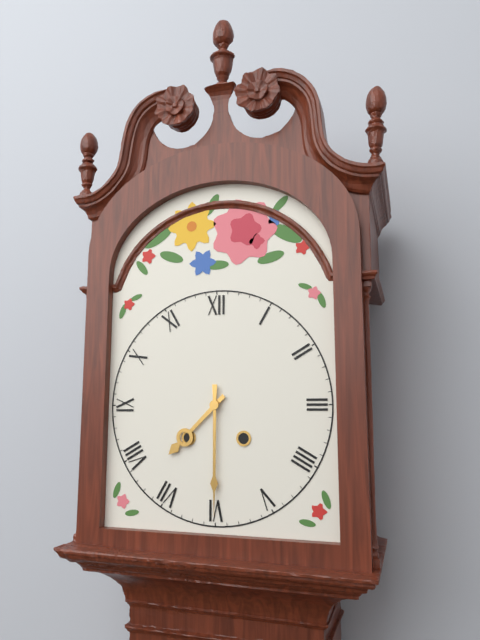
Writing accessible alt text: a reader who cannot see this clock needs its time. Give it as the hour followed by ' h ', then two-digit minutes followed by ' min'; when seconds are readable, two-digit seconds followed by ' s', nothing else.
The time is 7 h 30 min
